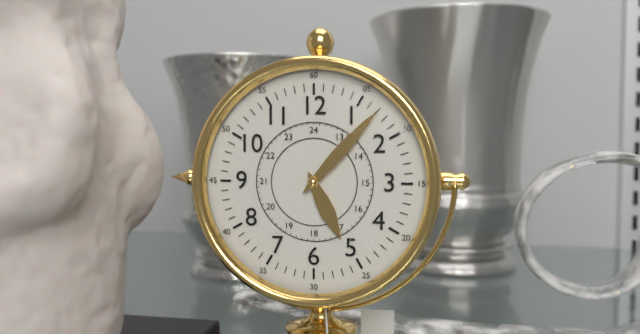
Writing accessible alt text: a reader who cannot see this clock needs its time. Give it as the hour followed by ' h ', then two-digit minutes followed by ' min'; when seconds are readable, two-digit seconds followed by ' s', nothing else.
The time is 5 h 07 min
